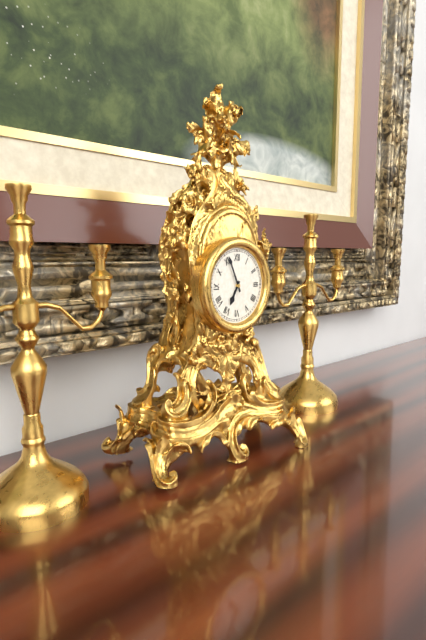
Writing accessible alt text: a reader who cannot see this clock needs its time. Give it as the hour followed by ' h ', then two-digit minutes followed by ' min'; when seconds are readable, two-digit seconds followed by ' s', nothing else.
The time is 6 h 56 min
